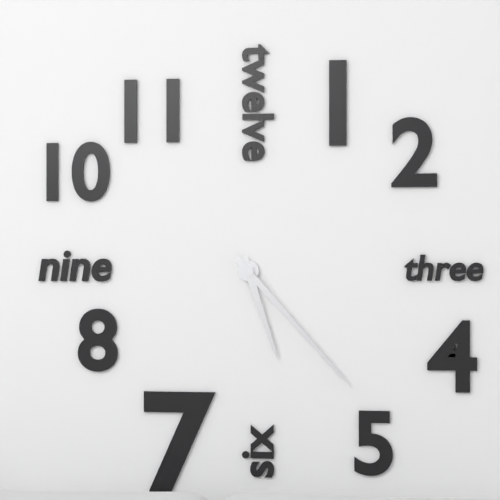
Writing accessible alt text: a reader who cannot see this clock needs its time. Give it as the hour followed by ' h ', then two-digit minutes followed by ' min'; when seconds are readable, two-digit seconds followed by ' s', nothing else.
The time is 5 h 23 min
